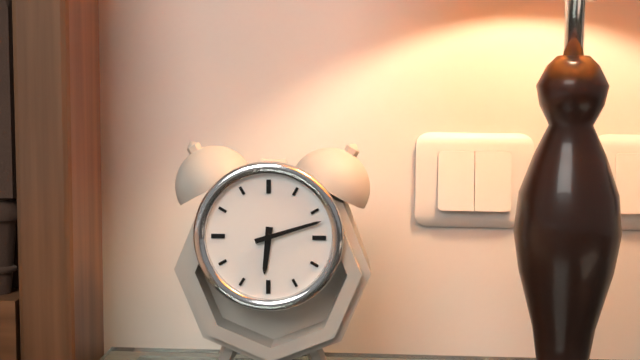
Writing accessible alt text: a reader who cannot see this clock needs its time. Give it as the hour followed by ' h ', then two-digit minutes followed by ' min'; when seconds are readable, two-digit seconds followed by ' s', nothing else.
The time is 6 h 12 min
